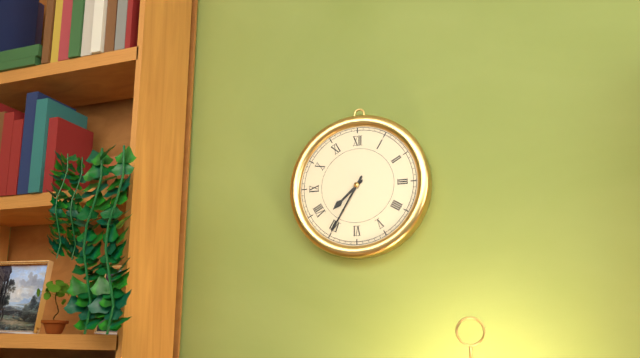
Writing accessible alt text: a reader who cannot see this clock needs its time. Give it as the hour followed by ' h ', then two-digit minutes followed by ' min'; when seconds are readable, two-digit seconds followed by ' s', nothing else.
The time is 7 h 35 min
